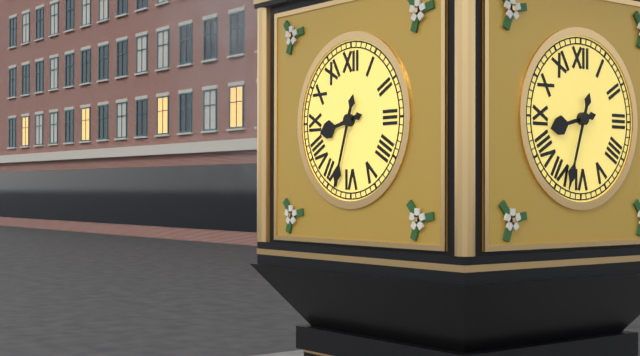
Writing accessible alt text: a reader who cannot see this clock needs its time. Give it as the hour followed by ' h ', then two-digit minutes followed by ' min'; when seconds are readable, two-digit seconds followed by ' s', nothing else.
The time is 8 h 33 min
